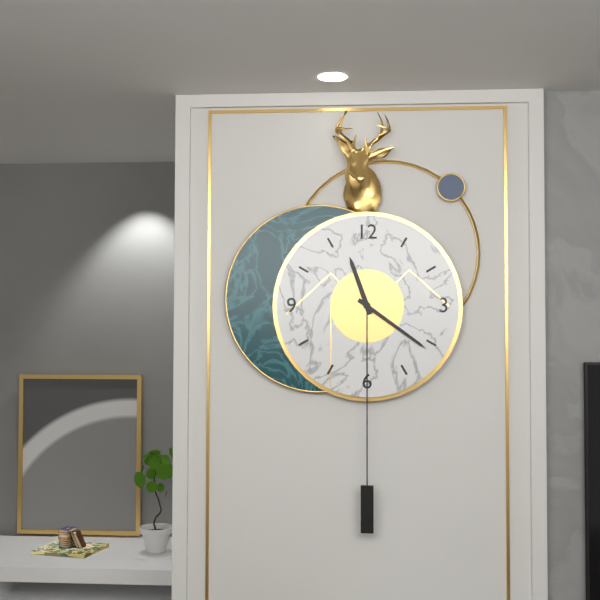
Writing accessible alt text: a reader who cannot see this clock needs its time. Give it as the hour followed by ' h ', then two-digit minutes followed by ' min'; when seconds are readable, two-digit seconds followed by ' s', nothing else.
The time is 11 h 21 min
